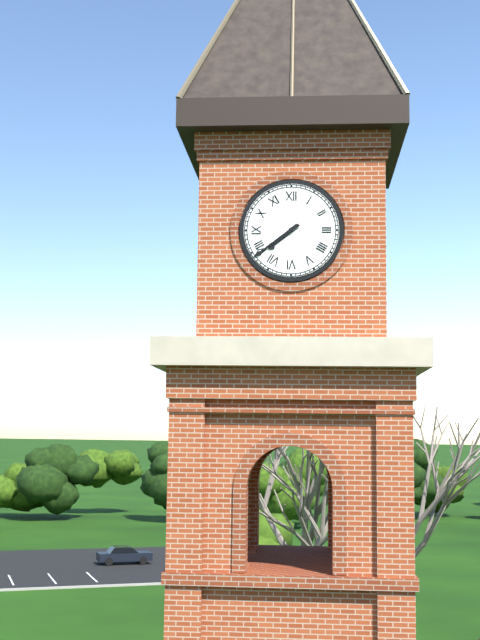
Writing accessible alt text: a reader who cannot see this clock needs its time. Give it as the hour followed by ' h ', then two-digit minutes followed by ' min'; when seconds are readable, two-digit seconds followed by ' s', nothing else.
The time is 7 h 39 min
